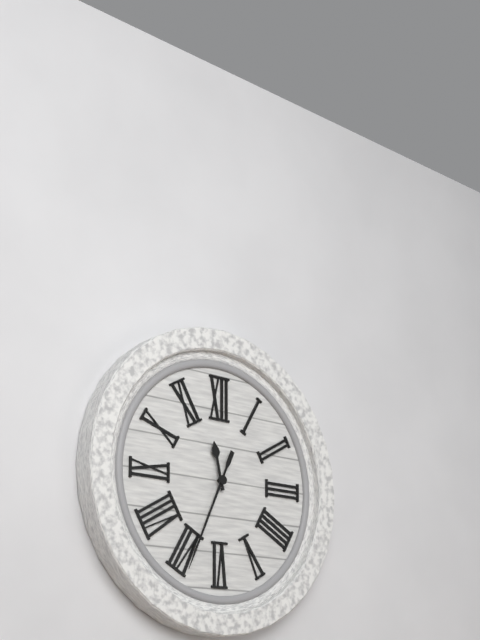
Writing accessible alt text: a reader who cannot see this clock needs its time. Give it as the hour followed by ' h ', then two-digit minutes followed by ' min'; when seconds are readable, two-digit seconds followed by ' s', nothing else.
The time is 11 h 34 min
